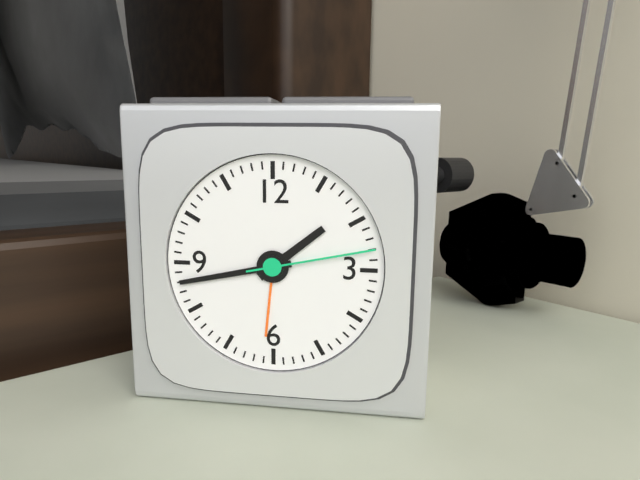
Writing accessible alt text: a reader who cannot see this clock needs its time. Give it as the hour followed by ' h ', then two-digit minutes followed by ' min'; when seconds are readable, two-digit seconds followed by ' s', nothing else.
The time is 1 h 43 min 13 s
